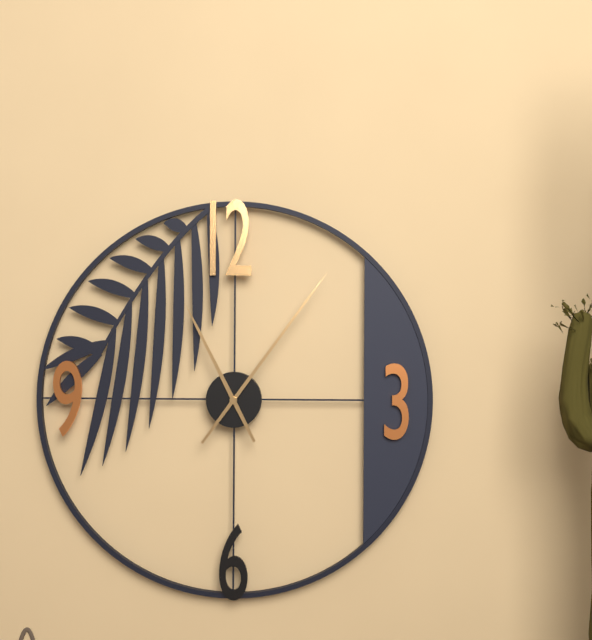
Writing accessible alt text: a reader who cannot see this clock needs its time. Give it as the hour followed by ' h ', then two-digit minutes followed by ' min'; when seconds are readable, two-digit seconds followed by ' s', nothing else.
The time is 11 h 06 min
